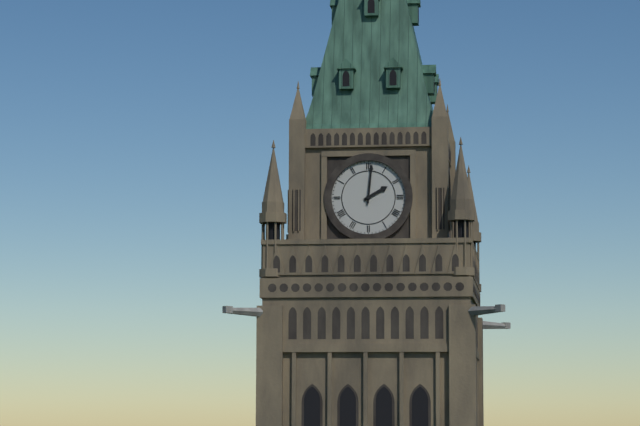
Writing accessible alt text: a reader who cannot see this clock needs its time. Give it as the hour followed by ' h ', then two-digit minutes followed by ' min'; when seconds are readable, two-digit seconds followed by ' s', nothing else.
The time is 2 h 01 min
